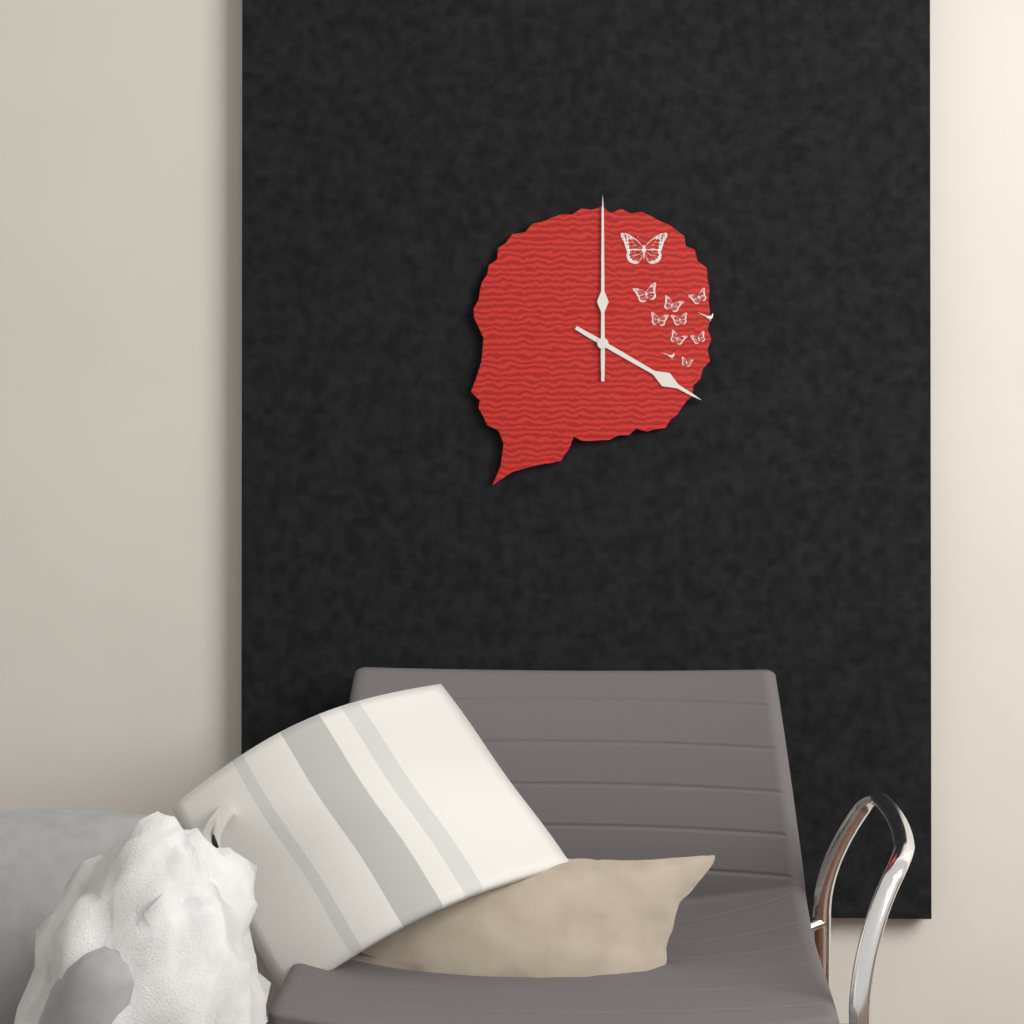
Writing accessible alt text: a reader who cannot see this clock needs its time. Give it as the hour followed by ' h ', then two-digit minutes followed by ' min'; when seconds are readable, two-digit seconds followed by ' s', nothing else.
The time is 4 h 00 min
